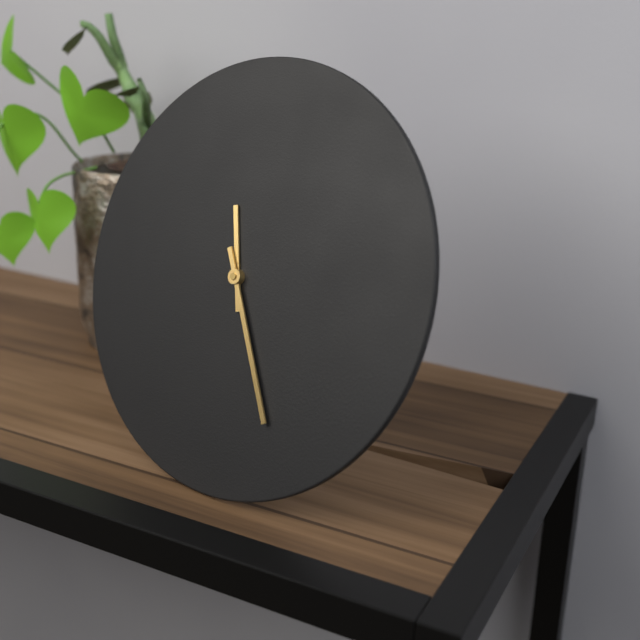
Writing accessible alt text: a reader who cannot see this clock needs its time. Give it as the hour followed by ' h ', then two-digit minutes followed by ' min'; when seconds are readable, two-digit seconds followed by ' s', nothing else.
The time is 11 h 25 min
